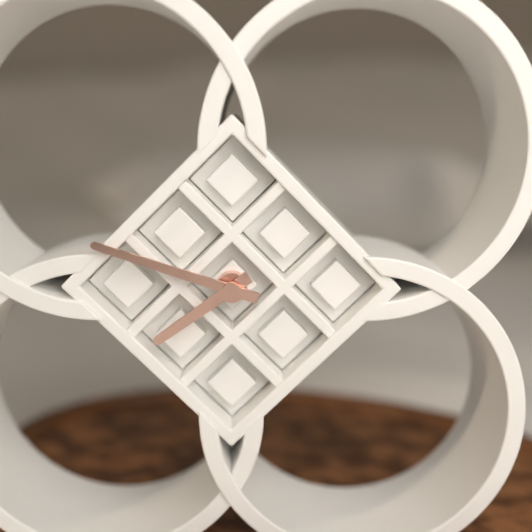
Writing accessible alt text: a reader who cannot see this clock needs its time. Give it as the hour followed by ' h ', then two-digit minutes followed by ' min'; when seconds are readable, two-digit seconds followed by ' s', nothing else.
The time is 7 h 48 min
